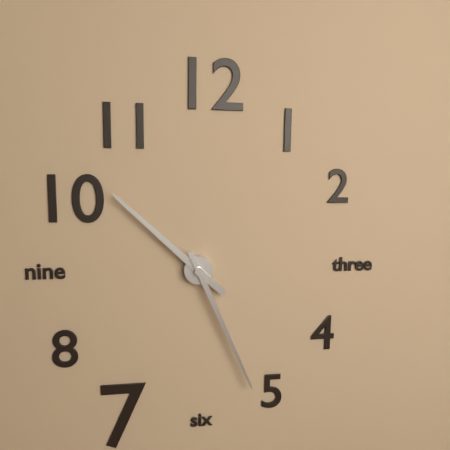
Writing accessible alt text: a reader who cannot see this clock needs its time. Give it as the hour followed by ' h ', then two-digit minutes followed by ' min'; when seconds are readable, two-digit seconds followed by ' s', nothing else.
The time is 10 h 26 min
